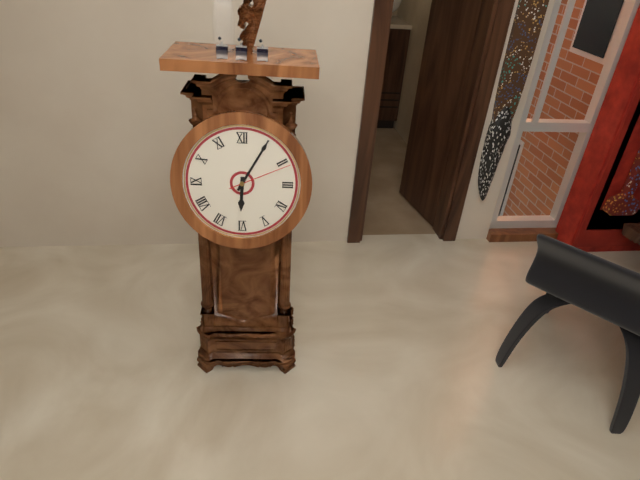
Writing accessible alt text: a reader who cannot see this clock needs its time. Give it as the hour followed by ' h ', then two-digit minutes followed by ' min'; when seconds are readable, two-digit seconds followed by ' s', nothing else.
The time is 6 h 05 min 11 s
